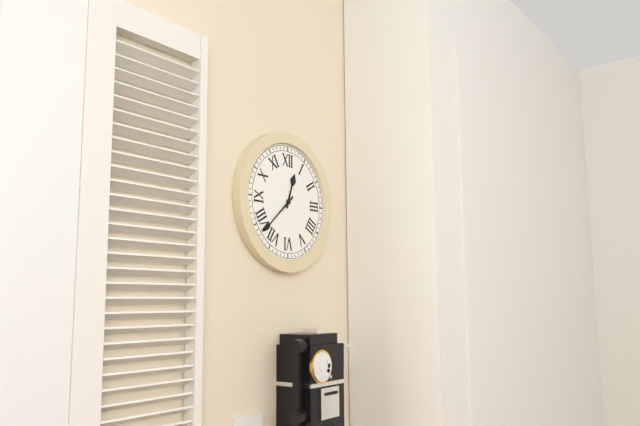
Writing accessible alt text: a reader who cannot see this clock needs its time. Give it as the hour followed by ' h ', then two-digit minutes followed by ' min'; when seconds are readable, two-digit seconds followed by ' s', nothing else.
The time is 12 h 38 min
